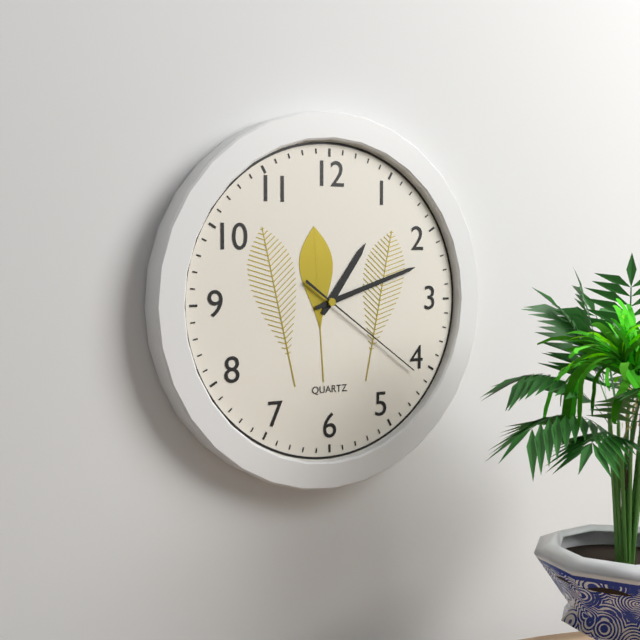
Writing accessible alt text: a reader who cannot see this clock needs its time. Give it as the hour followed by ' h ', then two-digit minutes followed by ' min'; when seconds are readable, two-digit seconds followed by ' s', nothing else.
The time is 1 h 12 min 21 s
